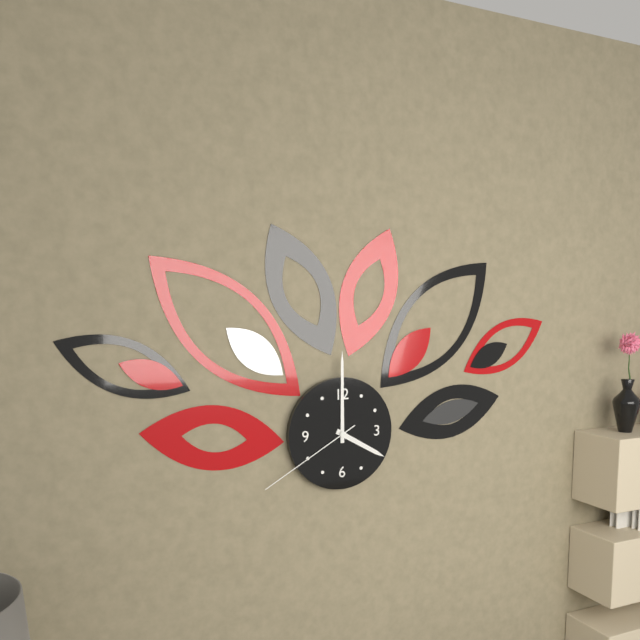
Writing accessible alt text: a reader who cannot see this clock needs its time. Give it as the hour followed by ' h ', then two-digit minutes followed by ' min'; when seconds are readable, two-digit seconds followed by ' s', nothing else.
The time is 4 h 00 min 40 s
